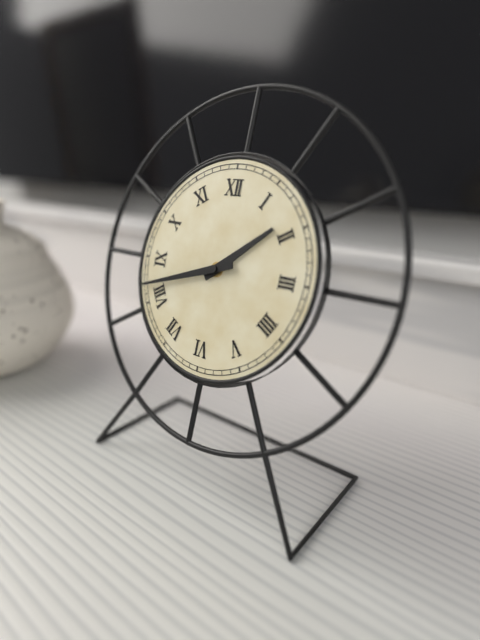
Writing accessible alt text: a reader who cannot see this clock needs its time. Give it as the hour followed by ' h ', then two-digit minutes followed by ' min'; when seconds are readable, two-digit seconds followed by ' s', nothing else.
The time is 1 h 42 min
